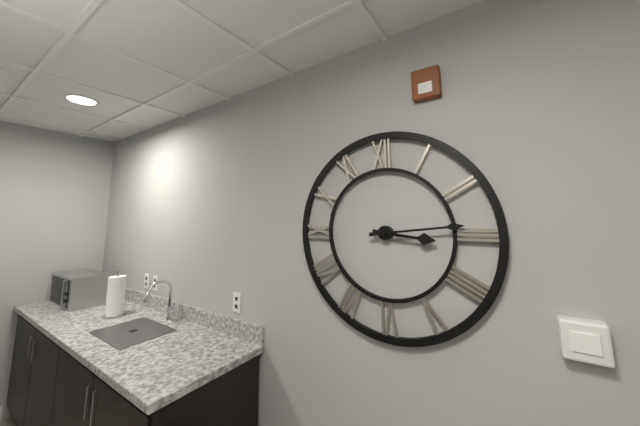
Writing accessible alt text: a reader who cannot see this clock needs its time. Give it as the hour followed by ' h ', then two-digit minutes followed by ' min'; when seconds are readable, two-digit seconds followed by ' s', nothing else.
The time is 3 h 14 min
